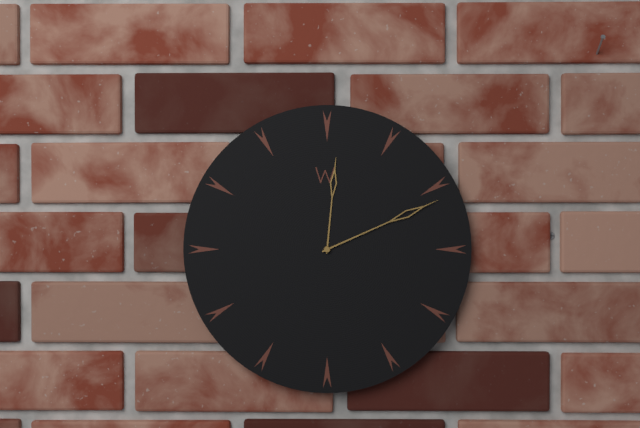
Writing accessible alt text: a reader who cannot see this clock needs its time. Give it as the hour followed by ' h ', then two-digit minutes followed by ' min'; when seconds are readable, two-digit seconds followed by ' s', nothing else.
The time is 12 h 11 min
